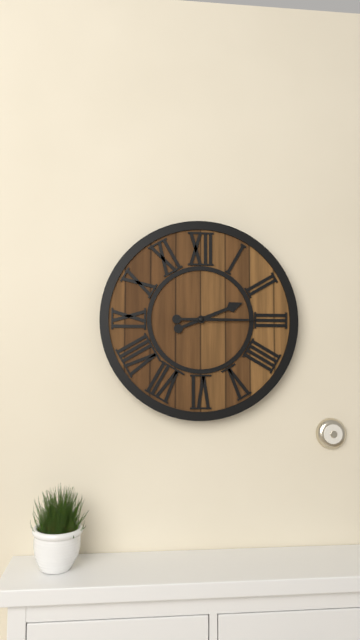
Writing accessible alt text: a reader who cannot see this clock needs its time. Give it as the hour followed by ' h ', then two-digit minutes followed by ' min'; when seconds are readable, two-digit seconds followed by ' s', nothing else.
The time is 2 h 15 min
